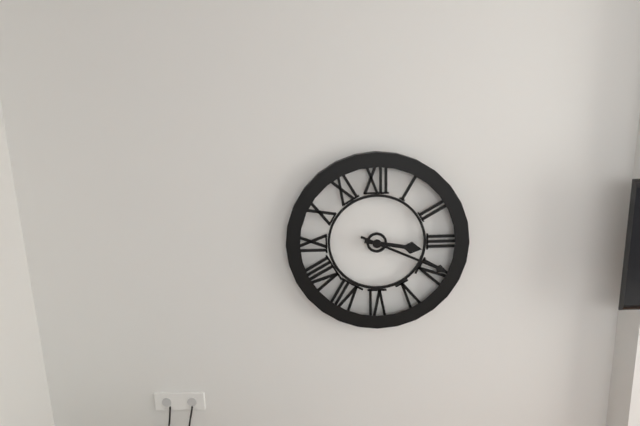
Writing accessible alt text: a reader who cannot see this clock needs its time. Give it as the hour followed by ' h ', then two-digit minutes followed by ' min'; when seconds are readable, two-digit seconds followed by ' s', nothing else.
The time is 3 h 19 min
